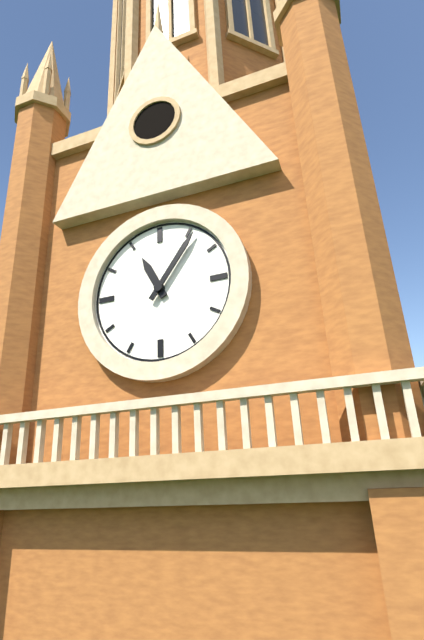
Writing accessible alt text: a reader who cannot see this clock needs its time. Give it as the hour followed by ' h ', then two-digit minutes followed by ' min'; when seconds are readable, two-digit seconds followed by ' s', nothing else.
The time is 11 h 06 min
